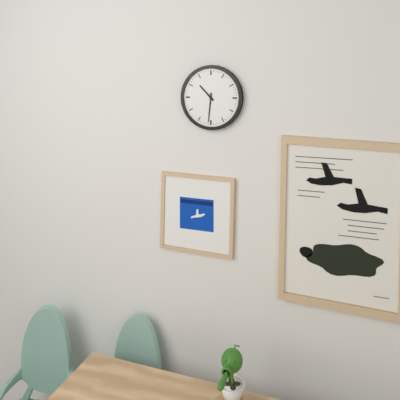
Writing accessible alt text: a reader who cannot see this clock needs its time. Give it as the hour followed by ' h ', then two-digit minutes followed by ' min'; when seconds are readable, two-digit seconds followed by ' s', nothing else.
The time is 10 h 31 min
